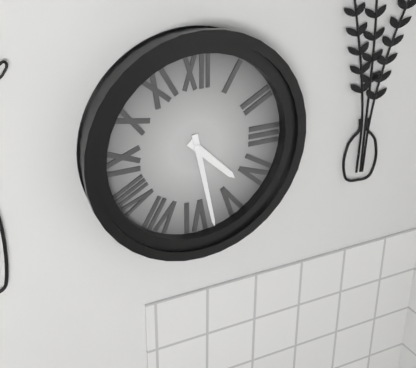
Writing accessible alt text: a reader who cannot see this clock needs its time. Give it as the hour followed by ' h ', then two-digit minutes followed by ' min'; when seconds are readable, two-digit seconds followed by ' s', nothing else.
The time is 4 h 28 min
